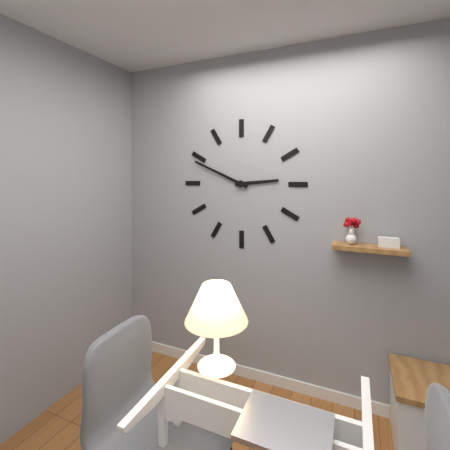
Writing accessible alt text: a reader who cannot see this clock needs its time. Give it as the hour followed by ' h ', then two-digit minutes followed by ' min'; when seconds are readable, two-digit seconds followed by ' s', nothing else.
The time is 2 h 49 min
